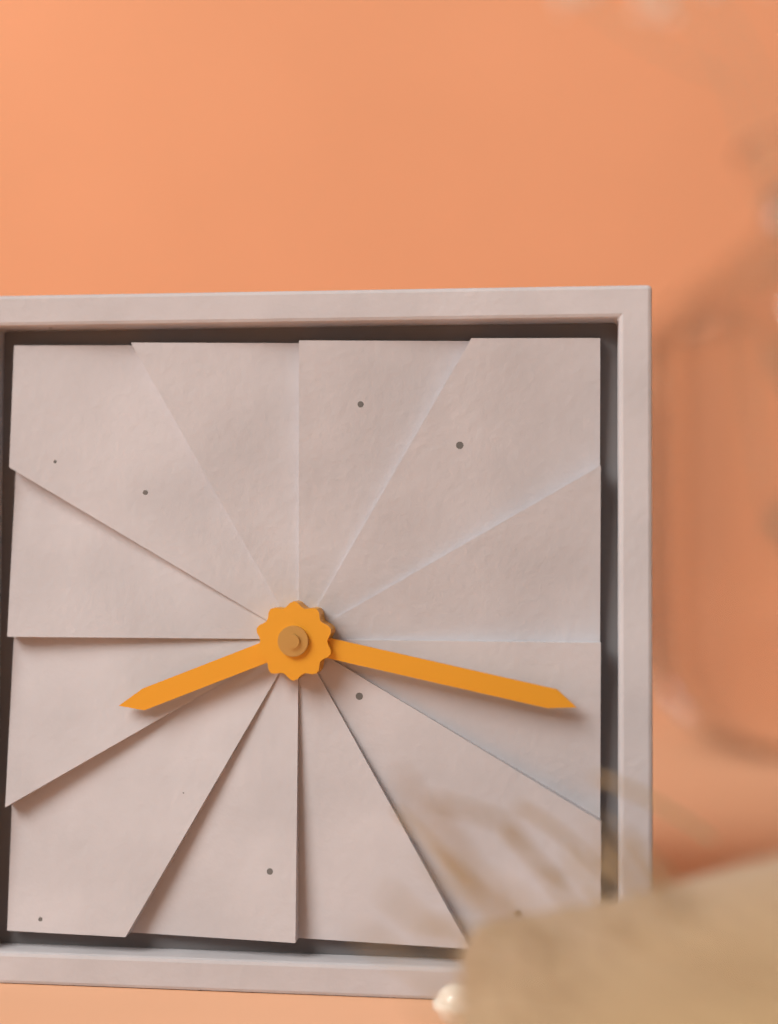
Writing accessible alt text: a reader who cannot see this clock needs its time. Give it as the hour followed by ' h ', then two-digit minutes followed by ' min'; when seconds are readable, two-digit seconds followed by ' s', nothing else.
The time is 8 h 17 min
